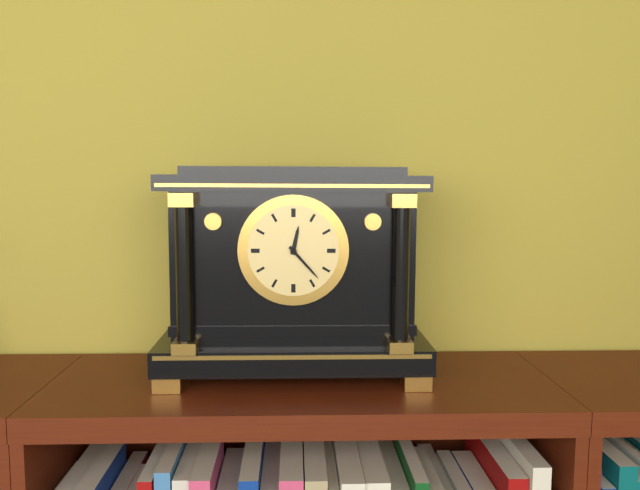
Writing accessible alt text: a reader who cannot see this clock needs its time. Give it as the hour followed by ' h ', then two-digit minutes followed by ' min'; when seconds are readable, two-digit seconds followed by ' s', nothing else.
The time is 12 h 23 min
